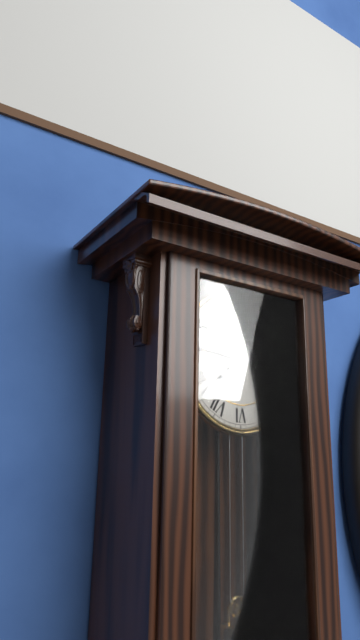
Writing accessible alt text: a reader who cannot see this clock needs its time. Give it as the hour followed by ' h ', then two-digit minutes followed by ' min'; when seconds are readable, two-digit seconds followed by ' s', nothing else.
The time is 7 h 46 min
